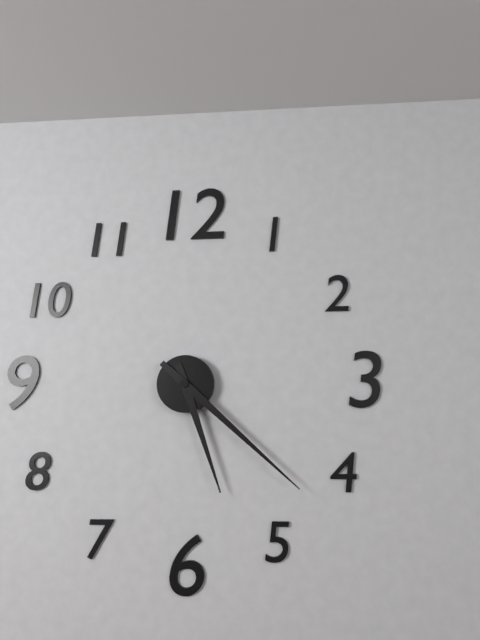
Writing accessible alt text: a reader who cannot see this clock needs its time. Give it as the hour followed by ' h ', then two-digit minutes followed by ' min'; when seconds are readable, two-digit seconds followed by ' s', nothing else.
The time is 5 h 22 min
